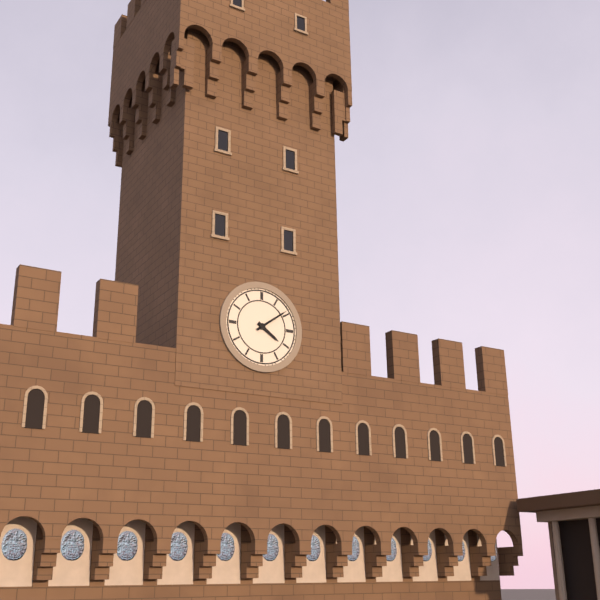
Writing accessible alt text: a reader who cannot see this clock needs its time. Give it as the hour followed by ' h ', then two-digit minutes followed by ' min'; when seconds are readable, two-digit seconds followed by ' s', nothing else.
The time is 4 h 09 min
